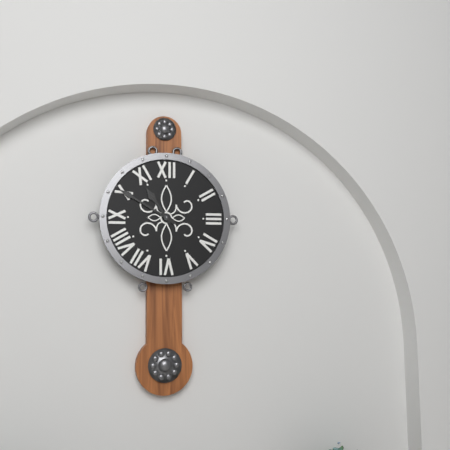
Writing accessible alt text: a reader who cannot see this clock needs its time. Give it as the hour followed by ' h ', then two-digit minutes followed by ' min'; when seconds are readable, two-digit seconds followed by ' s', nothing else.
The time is 10 h 50 min
